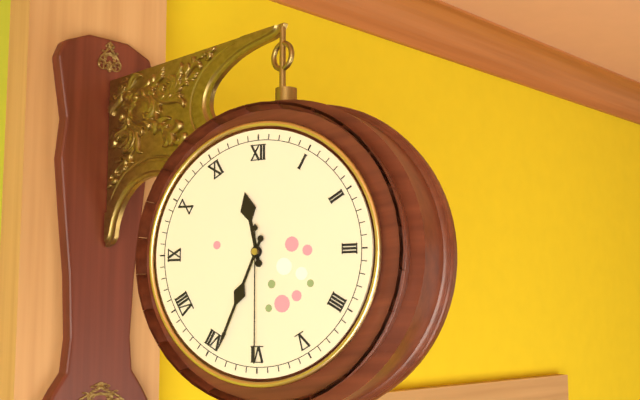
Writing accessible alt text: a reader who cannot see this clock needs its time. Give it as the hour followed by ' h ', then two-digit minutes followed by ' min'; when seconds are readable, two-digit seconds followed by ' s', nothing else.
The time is 11 h 34 min 30 s
